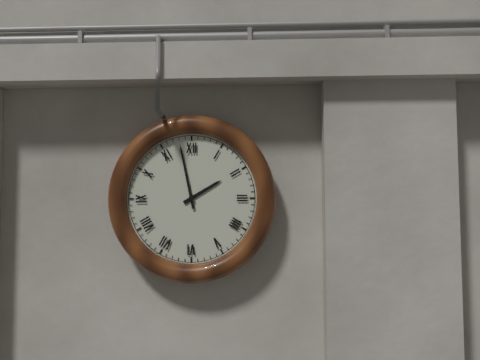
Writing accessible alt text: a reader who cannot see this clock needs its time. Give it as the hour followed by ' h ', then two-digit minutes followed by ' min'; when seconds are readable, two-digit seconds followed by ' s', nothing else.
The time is 1 h 58 min
